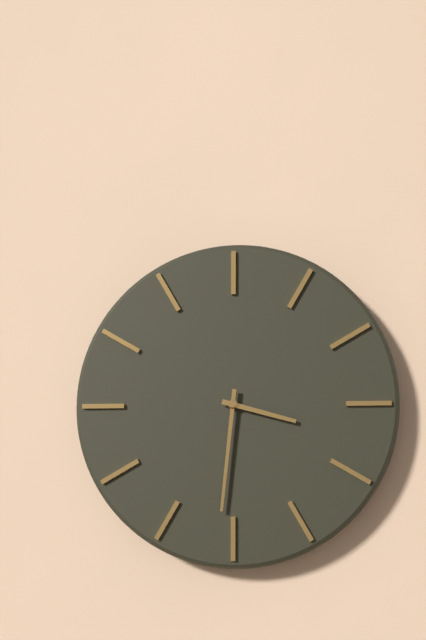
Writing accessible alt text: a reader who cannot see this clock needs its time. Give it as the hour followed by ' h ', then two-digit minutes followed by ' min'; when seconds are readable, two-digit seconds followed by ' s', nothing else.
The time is 3 h 31 min
